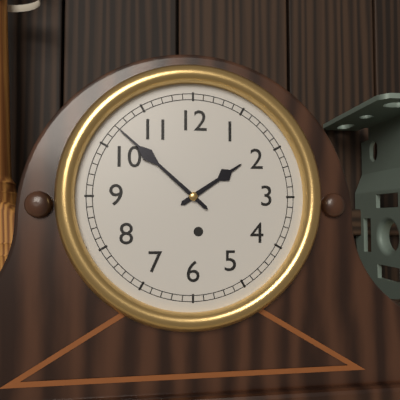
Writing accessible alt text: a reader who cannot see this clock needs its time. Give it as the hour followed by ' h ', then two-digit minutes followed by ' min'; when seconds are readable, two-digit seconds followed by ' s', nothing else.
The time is 1 h 52 min
